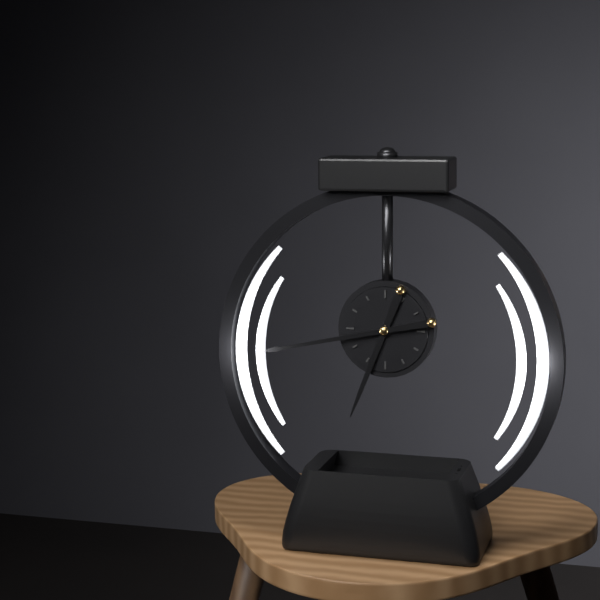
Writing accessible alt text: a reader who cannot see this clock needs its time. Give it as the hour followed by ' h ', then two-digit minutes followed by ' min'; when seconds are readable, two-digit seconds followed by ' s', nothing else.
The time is 6 h 43 min
